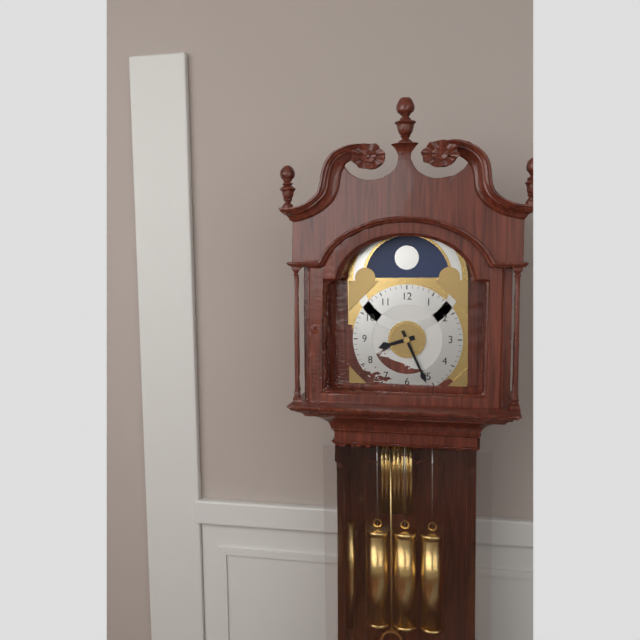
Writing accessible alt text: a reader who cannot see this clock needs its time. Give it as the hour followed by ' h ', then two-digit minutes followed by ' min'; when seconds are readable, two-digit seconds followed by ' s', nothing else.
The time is 8 h 26 min
